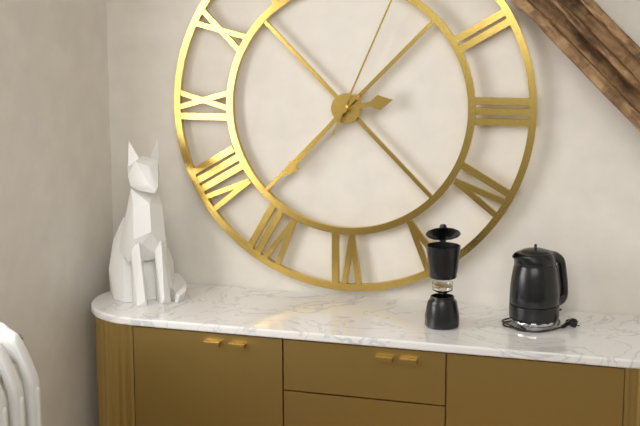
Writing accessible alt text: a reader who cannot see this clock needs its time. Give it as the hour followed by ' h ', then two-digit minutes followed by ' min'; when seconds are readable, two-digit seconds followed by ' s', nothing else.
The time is 2 h 37 min 04 s
